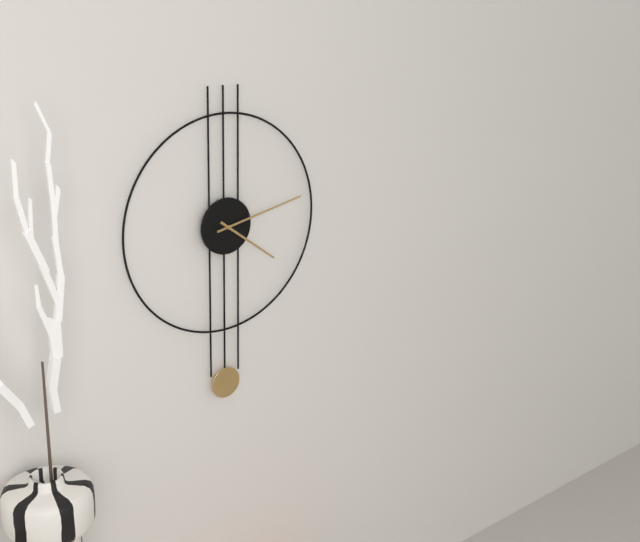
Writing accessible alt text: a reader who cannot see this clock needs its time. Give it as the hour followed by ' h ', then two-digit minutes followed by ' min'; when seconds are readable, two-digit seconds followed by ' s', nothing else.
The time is 4 h 13 min
